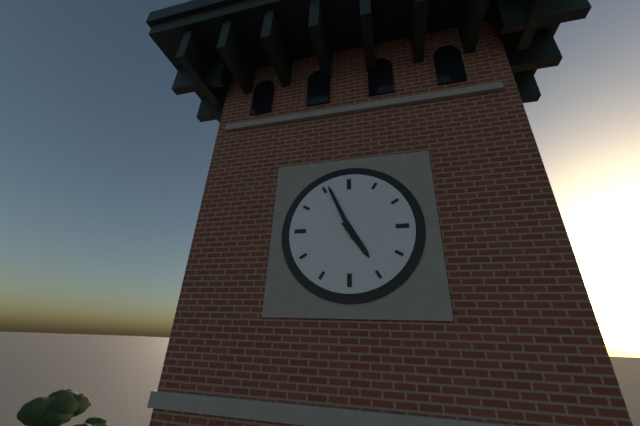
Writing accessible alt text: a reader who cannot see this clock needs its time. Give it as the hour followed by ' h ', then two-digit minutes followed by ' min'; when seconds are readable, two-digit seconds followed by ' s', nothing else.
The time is 4 h 56 min
